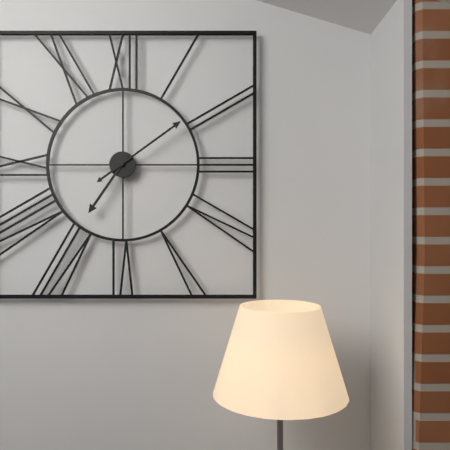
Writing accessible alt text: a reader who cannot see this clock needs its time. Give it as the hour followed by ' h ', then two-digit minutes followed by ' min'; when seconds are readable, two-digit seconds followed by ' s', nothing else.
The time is 7 h 09 min
